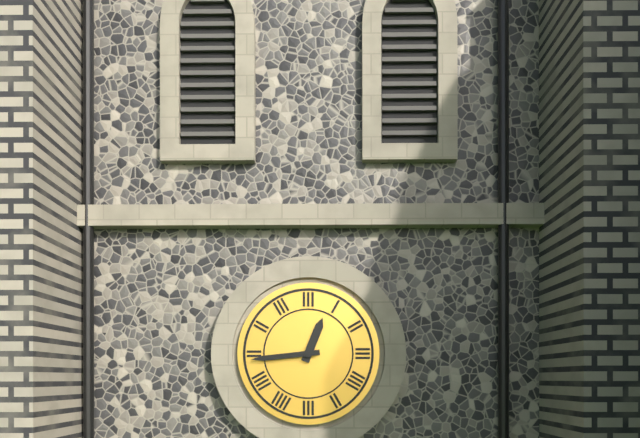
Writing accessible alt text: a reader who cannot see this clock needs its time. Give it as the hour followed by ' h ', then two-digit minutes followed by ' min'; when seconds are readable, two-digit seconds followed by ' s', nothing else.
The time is 12 h 44 min
